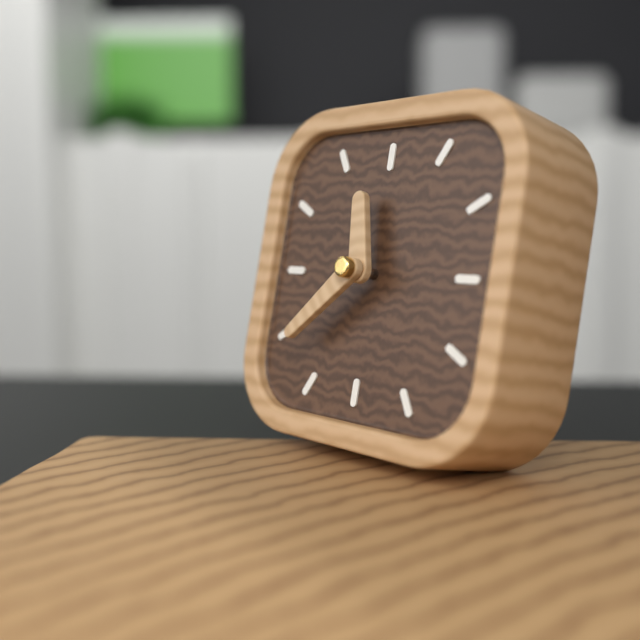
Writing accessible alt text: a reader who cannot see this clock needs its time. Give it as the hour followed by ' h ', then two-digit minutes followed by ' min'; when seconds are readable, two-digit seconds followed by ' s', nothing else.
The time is 11 h 38 min
